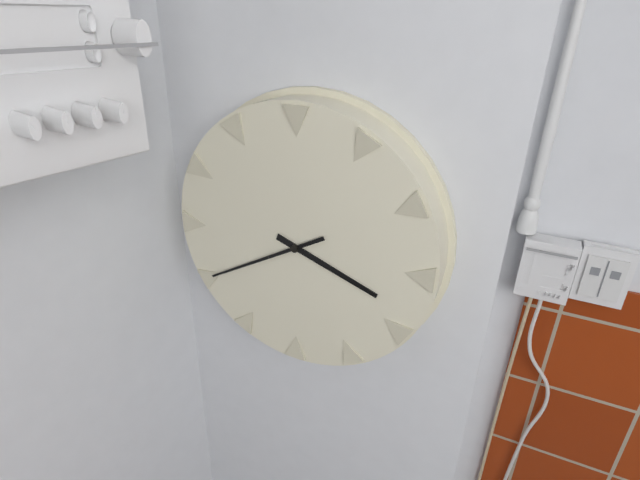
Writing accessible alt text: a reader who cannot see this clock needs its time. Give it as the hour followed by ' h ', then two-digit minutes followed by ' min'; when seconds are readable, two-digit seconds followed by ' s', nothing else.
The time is 3 h 40 min
